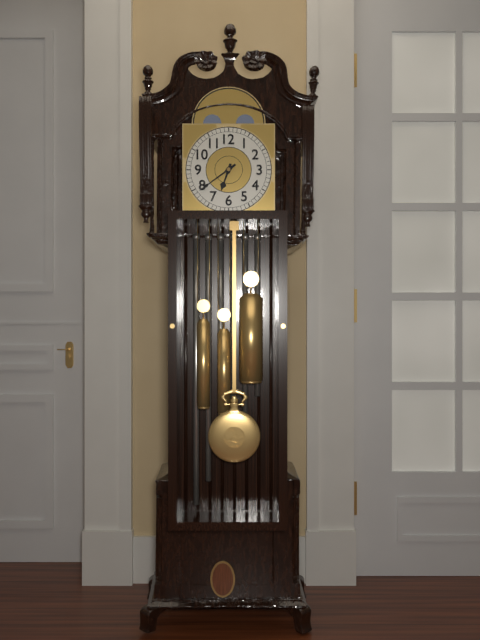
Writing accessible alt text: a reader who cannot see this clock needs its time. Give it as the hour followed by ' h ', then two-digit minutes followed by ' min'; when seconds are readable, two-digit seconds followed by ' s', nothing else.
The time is 6 h 39 min
